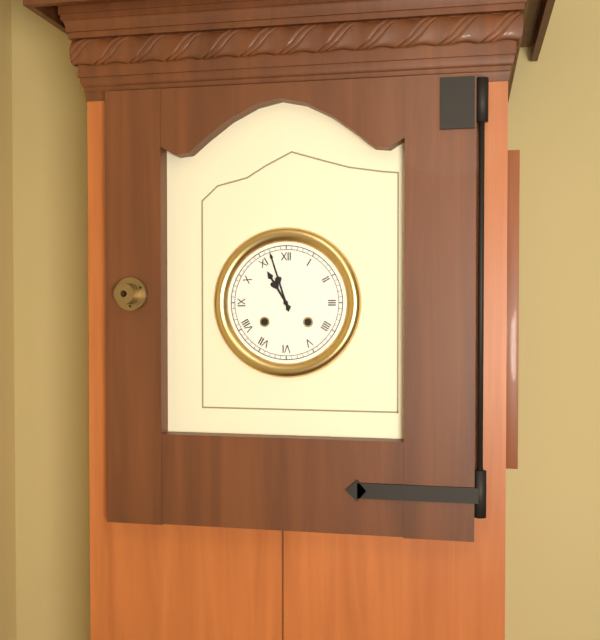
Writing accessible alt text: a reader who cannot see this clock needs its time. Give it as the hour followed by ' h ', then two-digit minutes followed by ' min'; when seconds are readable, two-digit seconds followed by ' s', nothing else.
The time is 10 h 57 min
